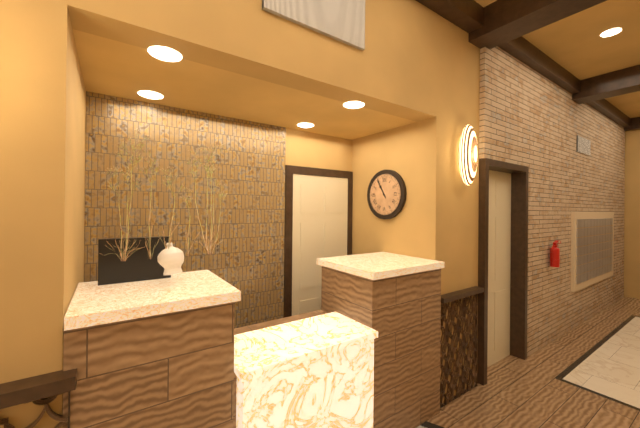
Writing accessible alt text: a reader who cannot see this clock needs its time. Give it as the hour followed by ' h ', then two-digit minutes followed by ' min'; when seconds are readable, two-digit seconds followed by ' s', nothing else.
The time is 10 h 55 min
